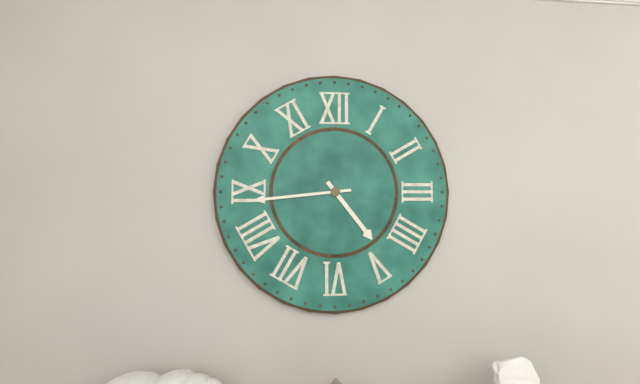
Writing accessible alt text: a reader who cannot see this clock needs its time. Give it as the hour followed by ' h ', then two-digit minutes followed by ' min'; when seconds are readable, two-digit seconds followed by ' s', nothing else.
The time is 4 h 44 min
